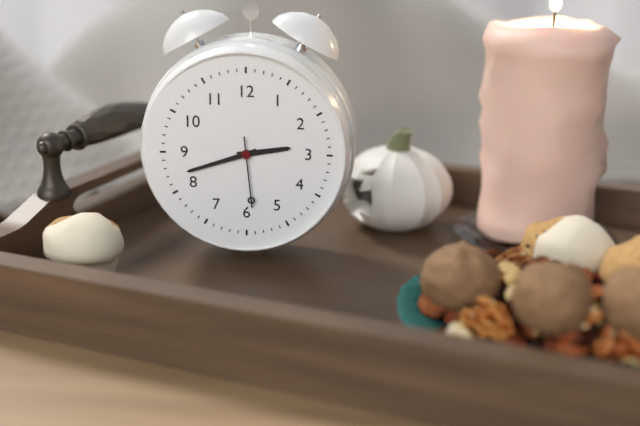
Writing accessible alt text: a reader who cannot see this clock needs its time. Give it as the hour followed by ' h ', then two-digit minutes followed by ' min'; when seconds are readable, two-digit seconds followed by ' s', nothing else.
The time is 2 h 42 min 29 s
